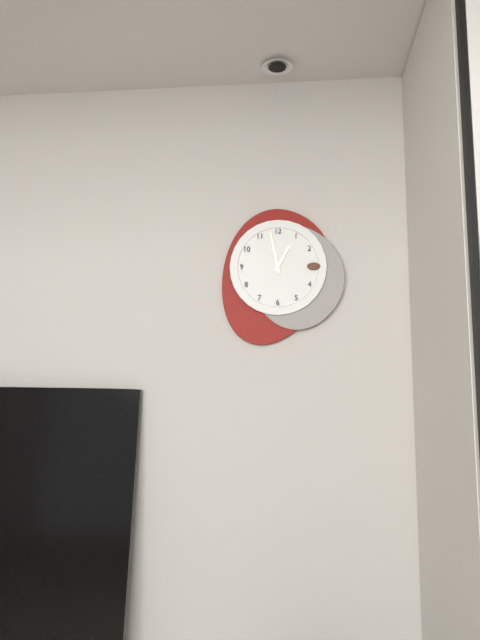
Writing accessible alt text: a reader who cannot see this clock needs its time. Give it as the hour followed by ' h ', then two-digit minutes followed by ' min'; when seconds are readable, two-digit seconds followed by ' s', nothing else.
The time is 12 h 58 min
